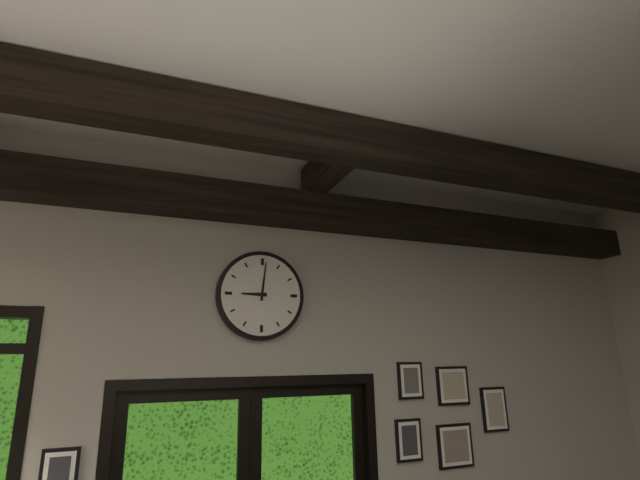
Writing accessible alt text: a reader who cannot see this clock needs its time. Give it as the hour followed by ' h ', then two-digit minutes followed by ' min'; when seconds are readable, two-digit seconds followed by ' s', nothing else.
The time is 9 h 01 min
